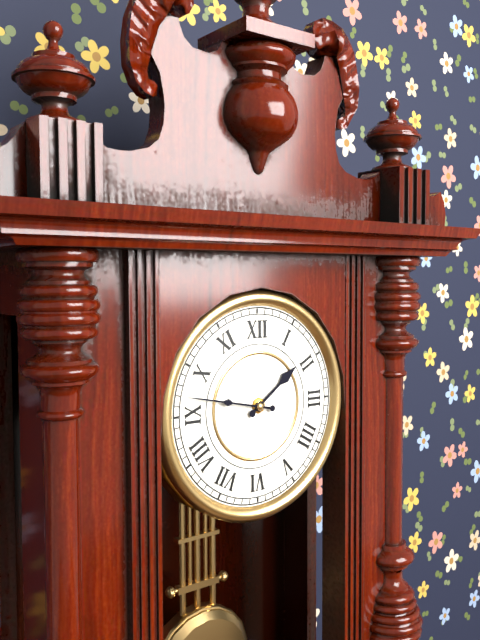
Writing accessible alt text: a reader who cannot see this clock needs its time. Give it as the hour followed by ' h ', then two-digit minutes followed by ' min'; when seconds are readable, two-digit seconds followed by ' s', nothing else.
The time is 1 h 47 min
